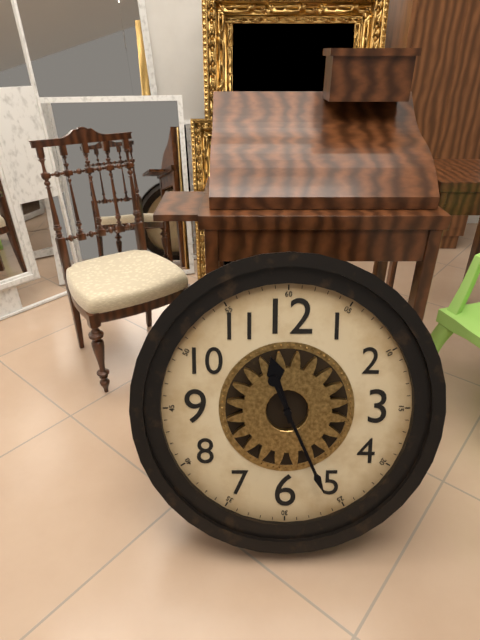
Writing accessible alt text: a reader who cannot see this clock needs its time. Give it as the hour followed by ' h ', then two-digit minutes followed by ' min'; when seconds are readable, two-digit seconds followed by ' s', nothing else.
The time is 11 h 26 min
